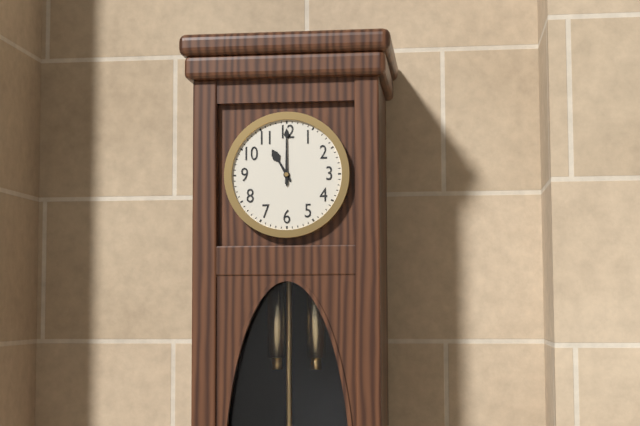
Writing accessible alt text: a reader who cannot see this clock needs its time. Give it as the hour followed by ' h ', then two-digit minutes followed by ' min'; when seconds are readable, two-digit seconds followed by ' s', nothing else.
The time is 11 h 00 min
